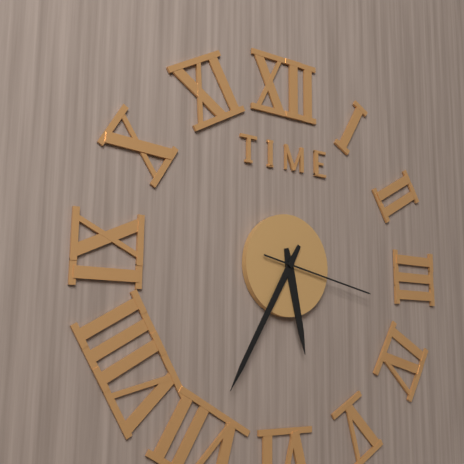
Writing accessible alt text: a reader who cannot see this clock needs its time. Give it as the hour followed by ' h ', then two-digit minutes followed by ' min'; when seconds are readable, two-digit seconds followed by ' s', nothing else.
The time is 5 h 35 min 17 s
